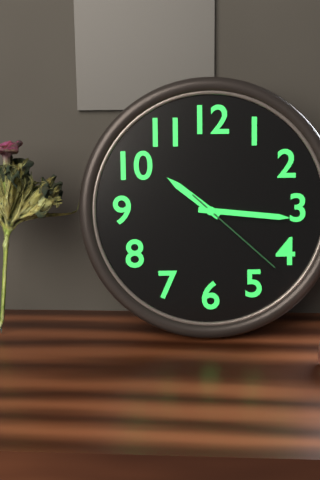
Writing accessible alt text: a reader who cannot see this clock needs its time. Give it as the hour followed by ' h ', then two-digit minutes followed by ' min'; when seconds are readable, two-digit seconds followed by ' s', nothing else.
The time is 10 h 16 min 22 s
